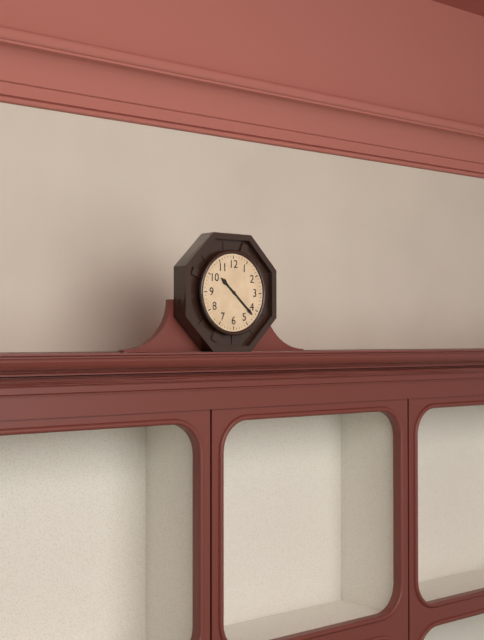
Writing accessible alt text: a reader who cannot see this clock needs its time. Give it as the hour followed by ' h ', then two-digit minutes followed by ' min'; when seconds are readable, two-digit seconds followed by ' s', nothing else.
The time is 10 h 22 min
